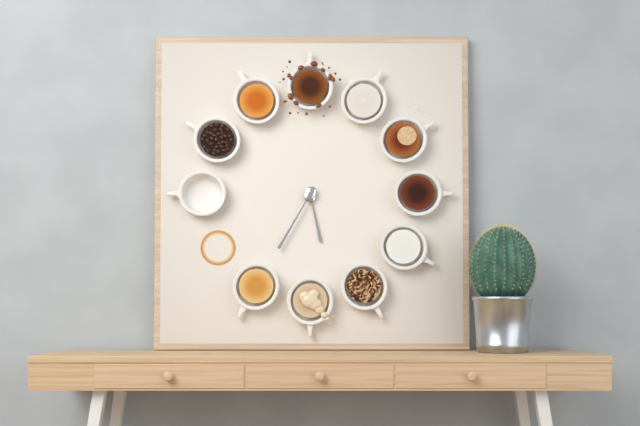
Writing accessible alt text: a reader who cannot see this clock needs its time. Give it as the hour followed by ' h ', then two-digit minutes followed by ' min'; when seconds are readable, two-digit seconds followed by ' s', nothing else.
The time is 5 h 35 min
